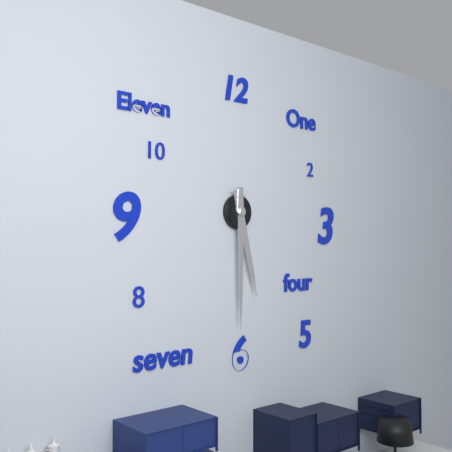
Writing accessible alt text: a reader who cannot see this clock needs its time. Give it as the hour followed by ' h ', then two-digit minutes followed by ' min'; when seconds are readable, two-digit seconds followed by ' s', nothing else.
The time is 5 h 30 min
